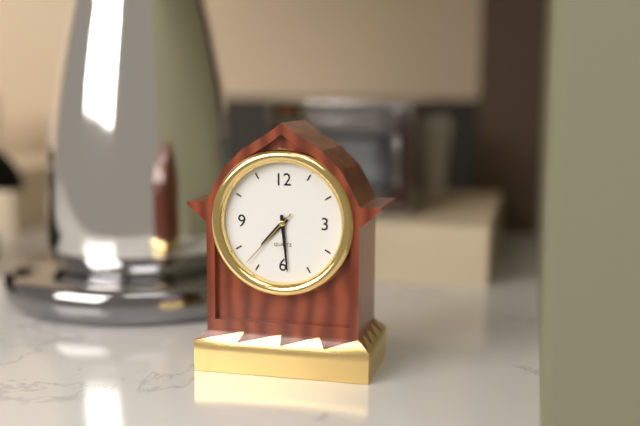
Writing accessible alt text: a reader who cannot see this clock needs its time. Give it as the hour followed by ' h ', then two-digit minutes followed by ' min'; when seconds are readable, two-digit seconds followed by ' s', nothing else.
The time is 7 h 29 min 37 s
